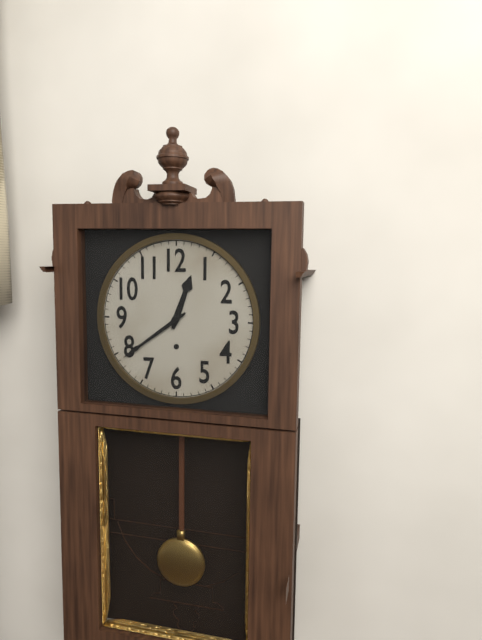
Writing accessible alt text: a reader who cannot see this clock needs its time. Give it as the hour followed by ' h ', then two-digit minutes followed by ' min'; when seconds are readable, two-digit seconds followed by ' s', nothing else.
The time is 12 h 39 min
